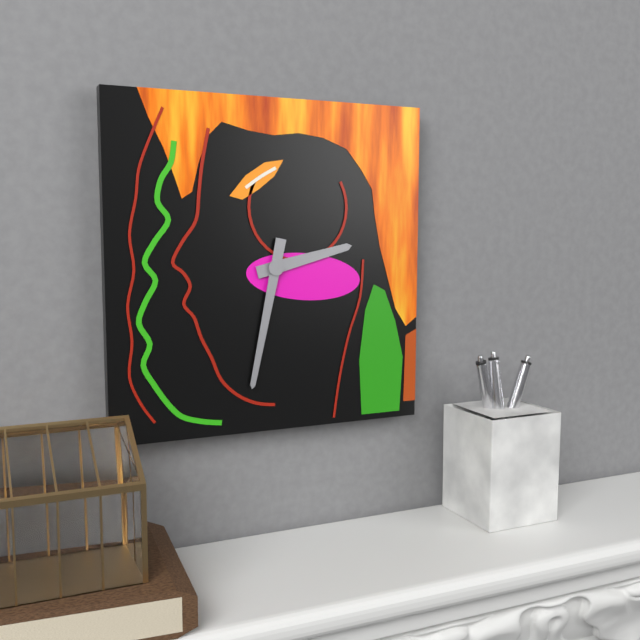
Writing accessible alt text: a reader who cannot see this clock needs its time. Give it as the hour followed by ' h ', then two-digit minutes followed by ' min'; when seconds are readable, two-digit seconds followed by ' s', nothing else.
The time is 2 h 32 min
